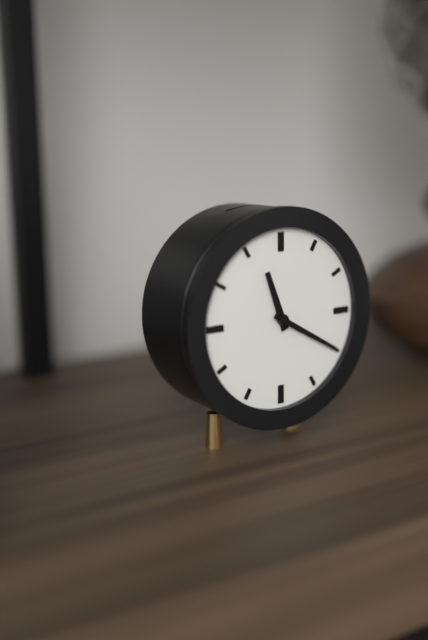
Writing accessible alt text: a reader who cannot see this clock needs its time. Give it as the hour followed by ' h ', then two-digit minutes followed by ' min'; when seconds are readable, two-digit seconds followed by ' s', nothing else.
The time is 11 h 20 min
